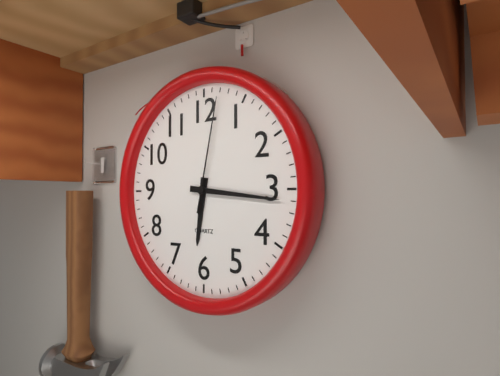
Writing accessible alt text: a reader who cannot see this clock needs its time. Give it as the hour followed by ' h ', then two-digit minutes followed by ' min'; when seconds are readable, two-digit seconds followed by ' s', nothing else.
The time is 6 h 16 min 02 s
